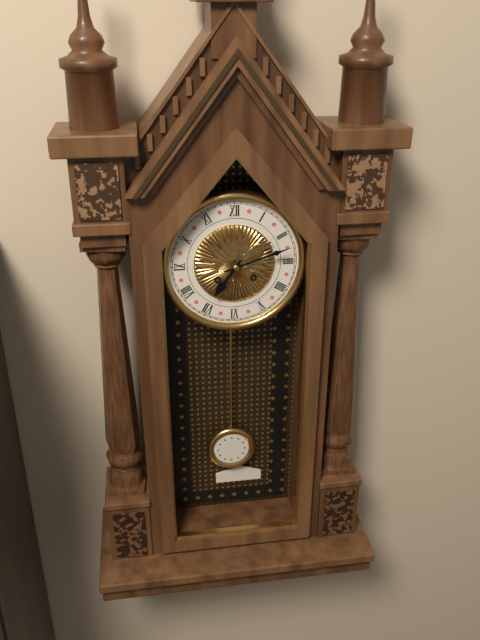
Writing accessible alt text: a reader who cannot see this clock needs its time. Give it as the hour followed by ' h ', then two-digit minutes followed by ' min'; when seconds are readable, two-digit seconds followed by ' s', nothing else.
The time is 7 h 12 min
